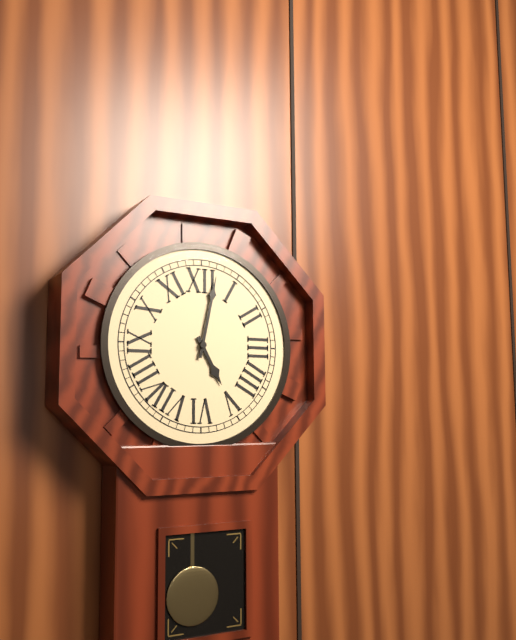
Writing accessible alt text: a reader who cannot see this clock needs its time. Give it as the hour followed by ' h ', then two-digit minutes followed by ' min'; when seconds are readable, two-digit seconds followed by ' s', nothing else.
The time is 5 h 02 min
